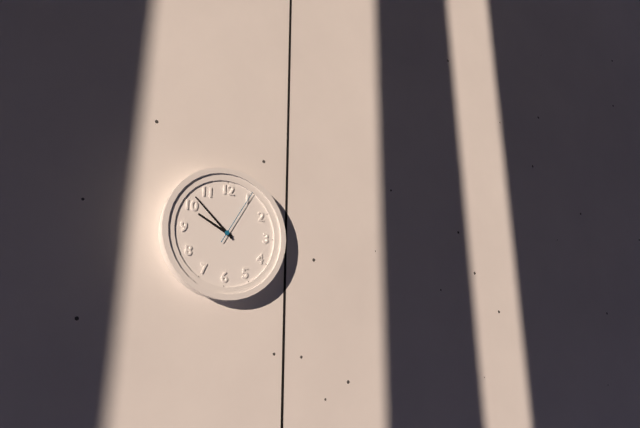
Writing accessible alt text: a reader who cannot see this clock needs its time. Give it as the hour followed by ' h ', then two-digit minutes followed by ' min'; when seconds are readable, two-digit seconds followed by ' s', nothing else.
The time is 9 h 52 min 05 s
